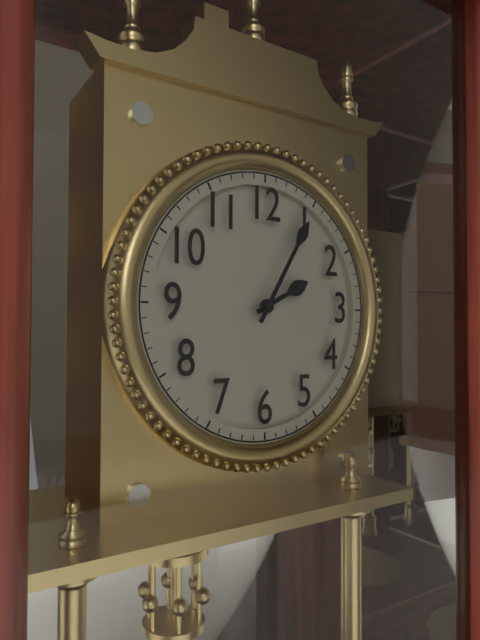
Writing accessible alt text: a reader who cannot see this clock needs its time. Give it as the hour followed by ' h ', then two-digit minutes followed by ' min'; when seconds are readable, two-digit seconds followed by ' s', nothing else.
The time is 2 h 05 min
